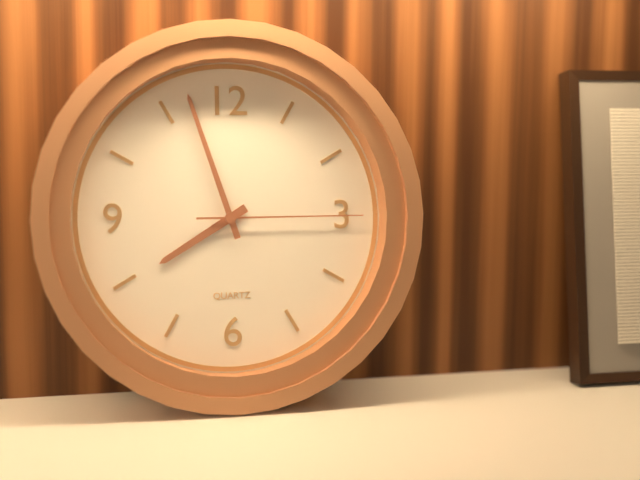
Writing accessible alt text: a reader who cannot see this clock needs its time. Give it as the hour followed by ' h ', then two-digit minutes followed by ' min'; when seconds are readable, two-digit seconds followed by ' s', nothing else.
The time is 7 h 57 min 15 s
